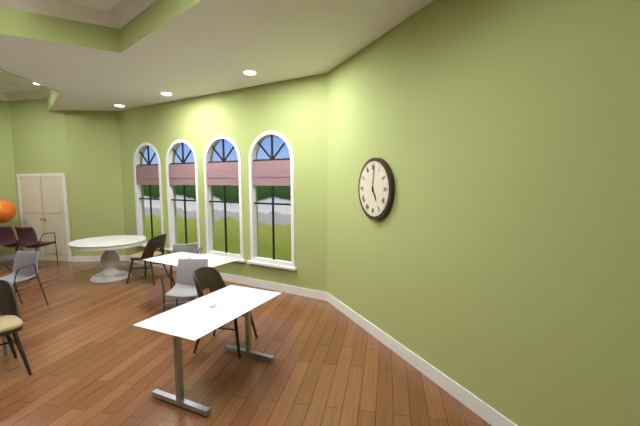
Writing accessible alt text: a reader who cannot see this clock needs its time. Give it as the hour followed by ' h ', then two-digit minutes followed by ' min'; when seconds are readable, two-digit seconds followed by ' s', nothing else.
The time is 5 h 01 min
